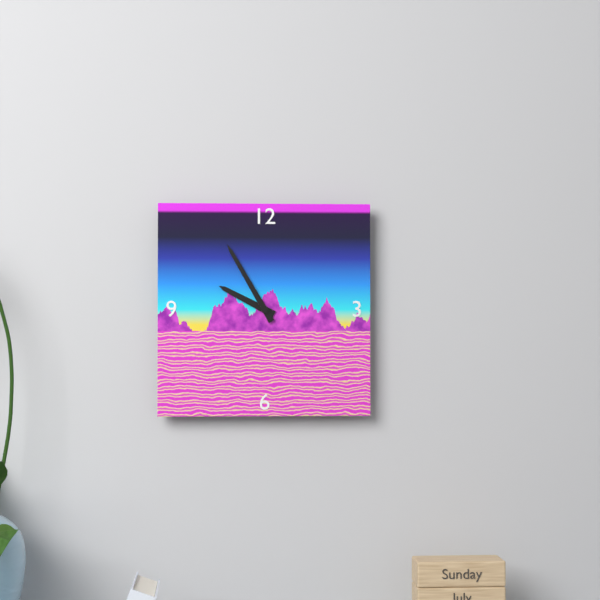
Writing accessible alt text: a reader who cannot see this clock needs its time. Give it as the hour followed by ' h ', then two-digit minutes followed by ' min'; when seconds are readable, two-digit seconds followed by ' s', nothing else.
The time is 9 h 55 min
